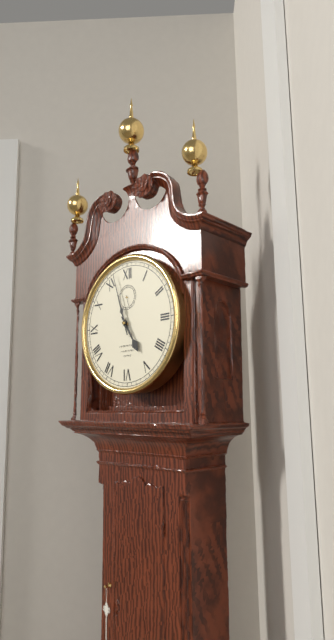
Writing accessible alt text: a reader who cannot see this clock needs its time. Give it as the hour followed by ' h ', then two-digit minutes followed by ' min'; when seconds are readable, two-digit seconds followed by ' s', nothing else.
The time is 4 h 57 min
